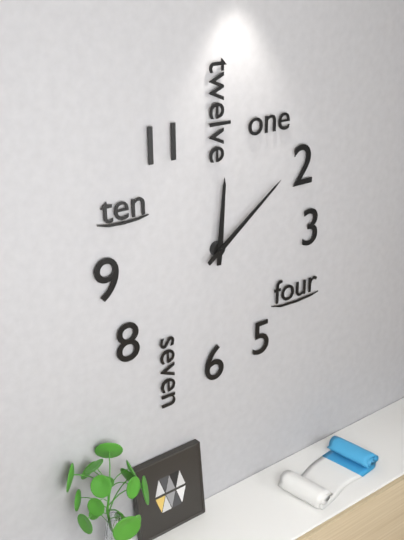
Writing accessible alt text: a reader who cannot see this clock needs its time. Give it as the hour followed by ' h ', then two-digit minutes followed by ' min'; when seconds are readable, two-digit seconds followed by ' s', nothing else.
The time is 12 h 09 min
